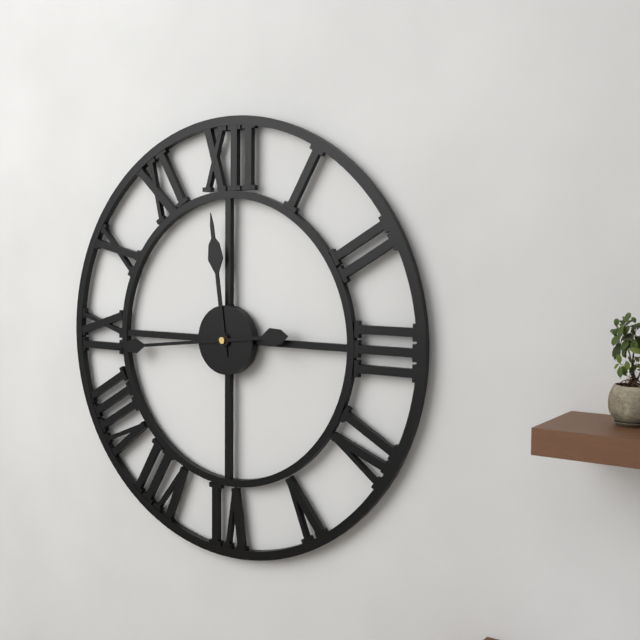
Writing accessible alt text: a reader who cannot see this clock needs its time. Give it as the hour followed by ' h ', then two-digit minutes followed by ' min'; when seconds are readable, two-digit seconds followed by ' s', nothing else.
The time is 11 h 44 min
